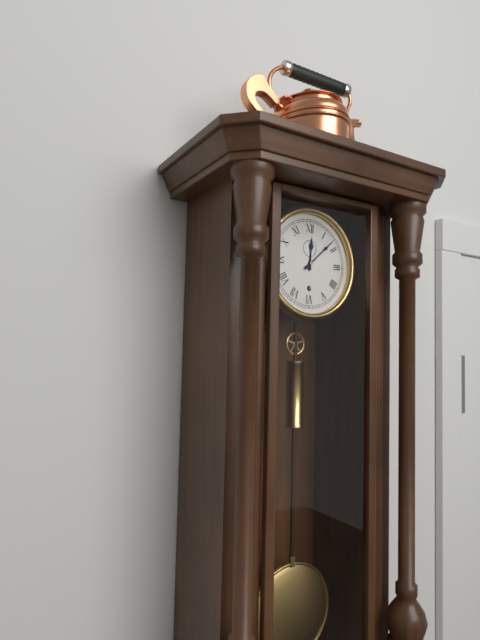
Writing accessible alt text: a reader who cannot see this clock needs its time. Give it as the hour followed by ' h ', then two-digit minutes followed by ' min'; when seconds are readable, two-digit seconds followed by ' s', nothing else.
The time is 12 h 08 min
